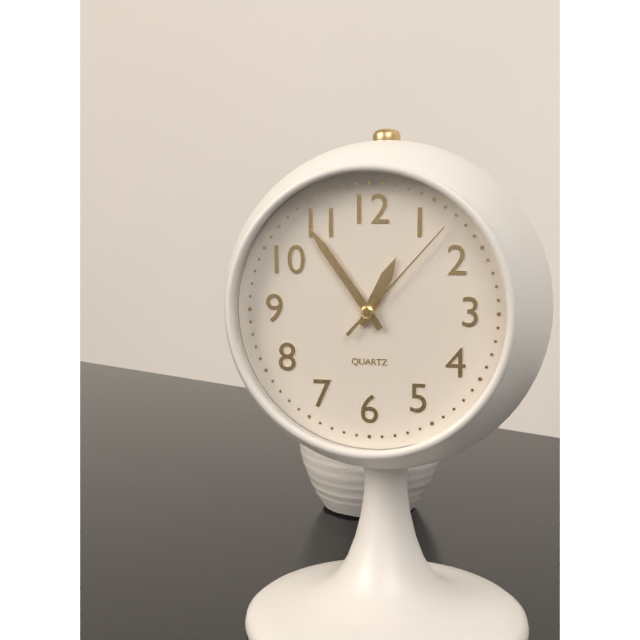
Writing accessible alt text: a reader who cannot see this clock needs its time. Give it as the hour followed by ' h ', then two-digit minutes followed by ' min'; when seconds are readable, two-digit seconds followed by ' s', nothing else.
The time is 12 h 54 min 07 s
